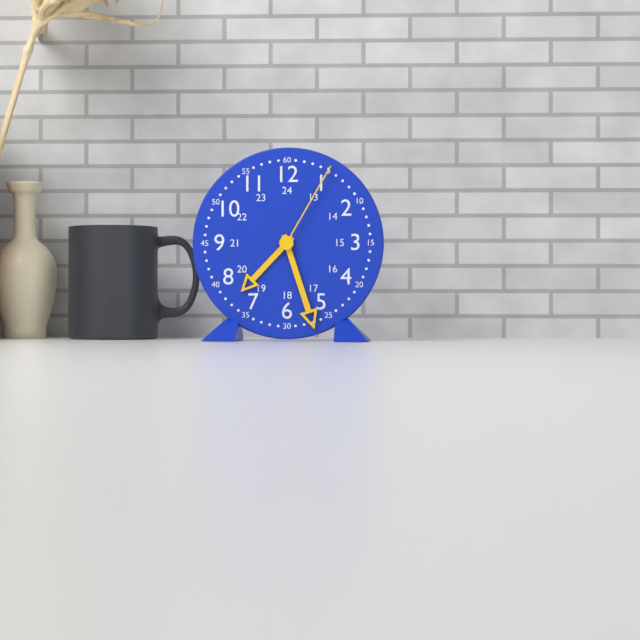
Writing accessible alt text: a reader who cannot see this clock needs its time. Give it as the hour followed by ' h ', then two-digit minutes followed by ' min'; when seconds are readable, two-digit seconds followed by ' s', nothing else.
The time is 7 h 27 min 05 s
